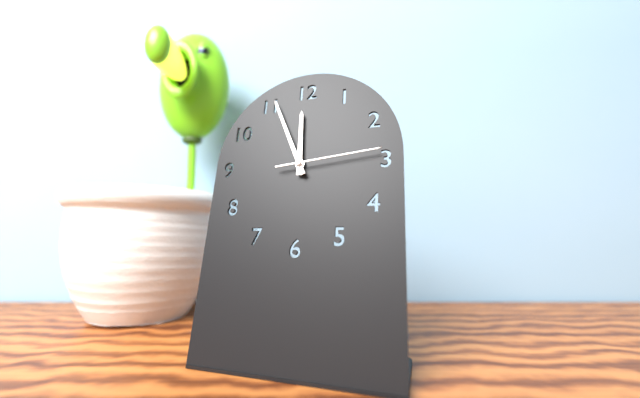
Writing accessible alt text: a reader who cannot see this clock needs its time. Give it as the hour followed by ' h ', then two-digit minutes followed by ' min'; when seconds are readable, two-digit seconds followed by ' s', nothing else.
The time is 11 h 56 min 14 s
